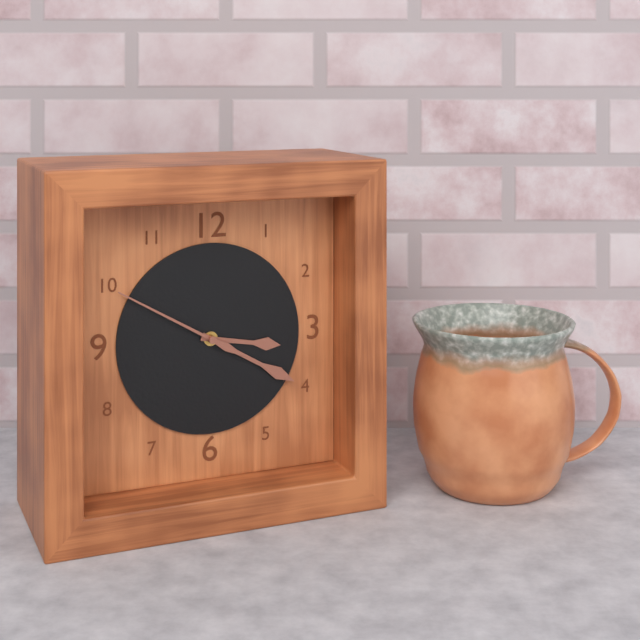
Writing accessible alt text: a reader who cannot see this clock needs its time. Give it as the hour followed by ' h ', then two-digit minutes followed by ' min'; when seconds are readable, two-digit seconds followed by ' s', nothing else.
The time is 3 h 20 min 50 s
